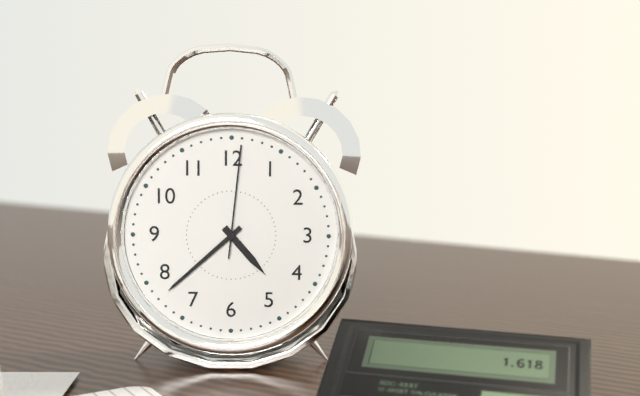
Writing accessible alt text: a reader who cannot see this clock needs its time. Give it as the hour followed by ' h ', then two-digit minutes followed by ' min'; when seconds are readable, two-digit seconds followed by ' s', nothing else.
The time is 4 h 38 min 01 s
